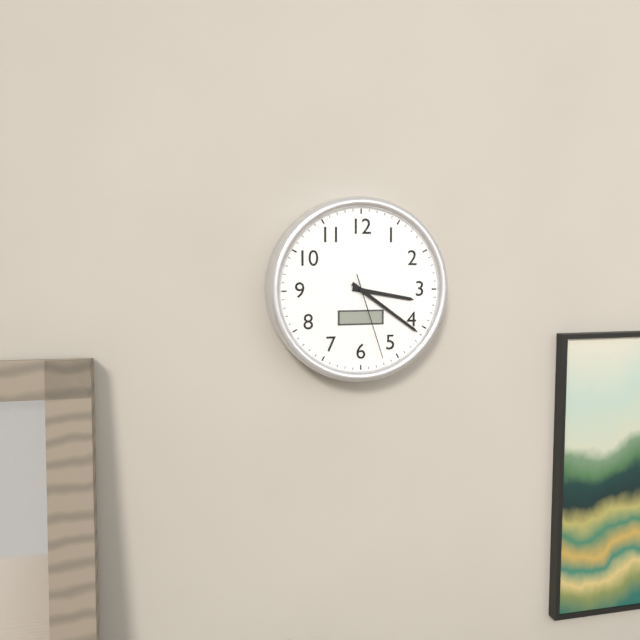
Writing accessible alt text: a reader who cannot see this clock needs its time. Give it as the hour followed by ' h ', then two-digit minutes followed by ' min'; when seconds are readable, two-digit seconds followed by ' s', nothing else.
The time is 3 h 21 min 27 s
